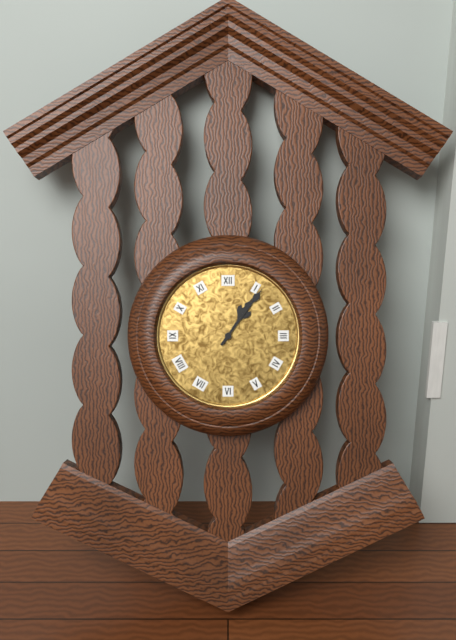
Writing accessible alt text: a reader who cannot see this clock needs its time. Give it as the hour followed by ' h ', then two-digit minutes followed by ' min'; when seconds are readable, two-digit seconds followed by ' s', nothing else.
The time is 1 h 06 min
